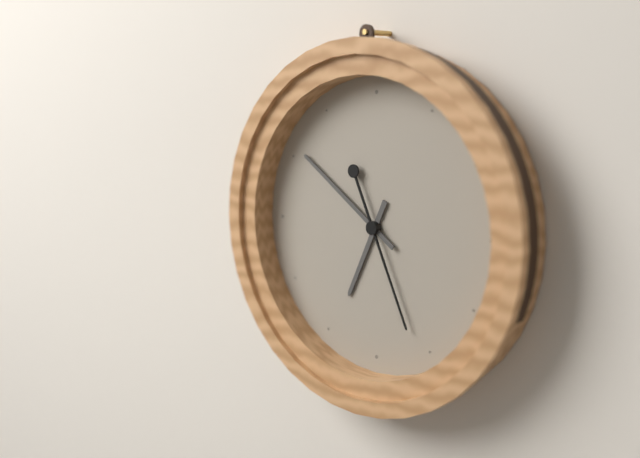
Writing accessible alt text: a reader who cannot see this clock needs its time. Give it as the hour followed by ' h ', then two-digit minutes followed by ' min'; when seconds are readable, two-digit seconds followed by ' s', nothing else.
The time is 6 h 51 min 26 s
